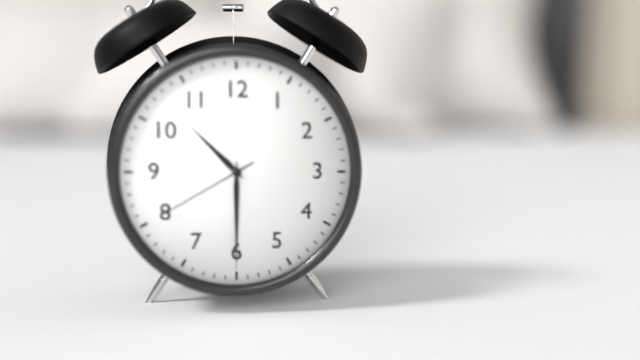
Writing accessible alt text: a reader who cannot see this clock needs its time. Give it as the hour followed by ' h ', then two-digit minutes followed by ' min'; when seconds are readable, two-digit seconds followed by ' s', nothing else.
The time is 10 h 30 min 40 s
